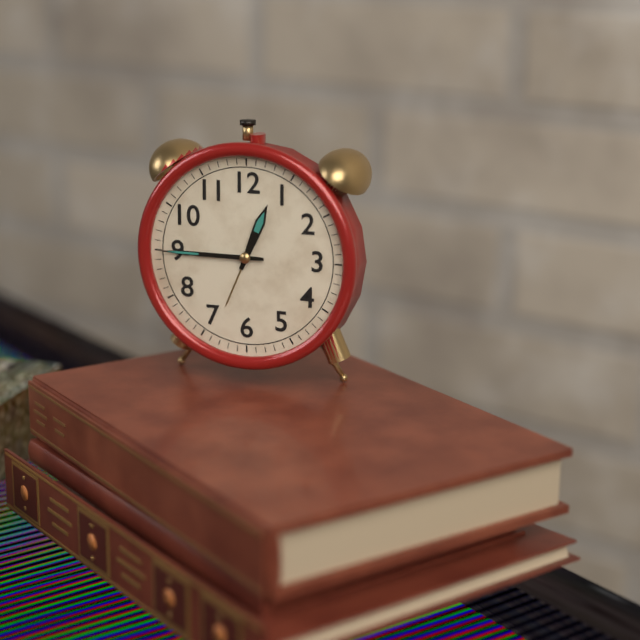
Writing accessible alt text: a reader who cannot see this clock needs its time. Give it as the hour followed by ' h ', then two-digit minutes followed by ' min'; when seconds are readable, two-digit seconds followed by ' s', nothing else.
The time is 12 h 45 min
